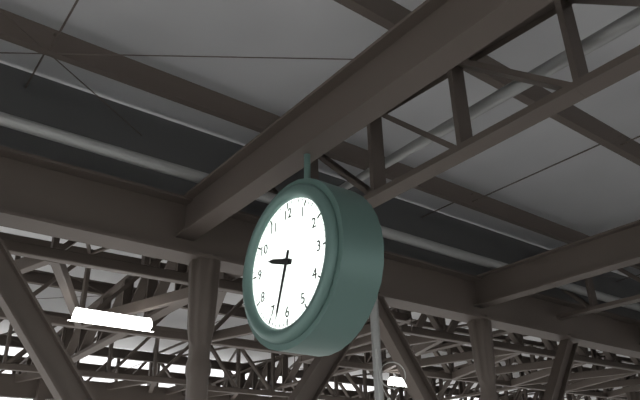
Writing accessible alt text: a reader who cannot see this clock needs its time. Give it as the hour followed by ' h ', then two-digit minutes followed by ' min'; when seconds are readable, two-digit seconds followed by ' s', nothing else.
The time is 9 h 33 min
